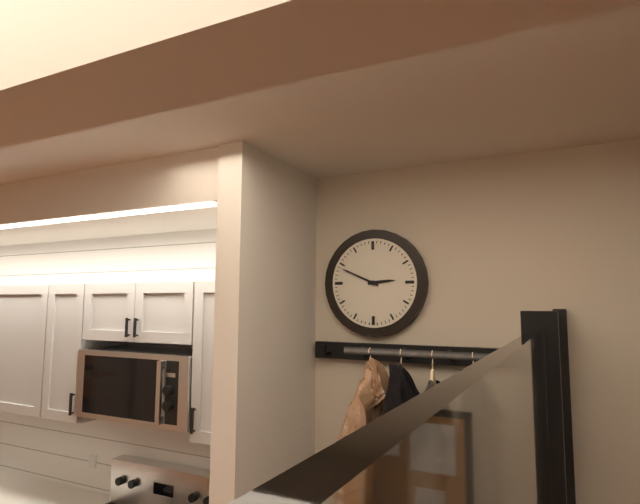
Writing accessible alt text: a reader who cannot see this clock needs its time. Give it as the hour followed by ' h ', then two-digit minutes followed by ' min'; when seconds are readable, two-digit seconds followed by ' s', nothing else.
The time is 2 h 49 min
